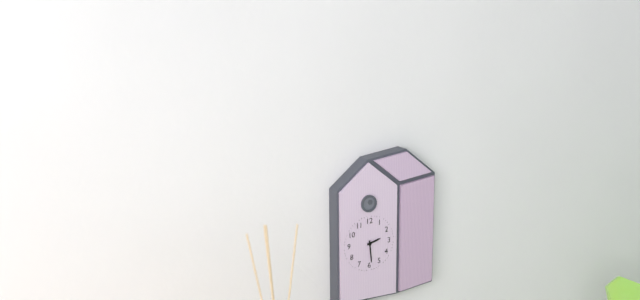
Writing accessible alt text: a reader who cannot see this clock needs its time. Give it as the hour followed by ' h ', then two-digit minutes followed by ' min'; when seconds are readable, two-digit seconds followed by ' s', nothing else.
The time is 2 h 29 min
